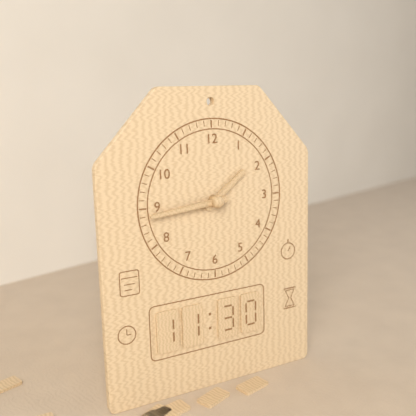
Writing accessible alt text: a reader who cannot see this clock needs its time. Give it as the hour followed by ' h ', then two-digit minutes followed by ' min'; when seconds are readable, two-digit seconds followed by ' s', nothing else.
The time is 1 h 44 min
